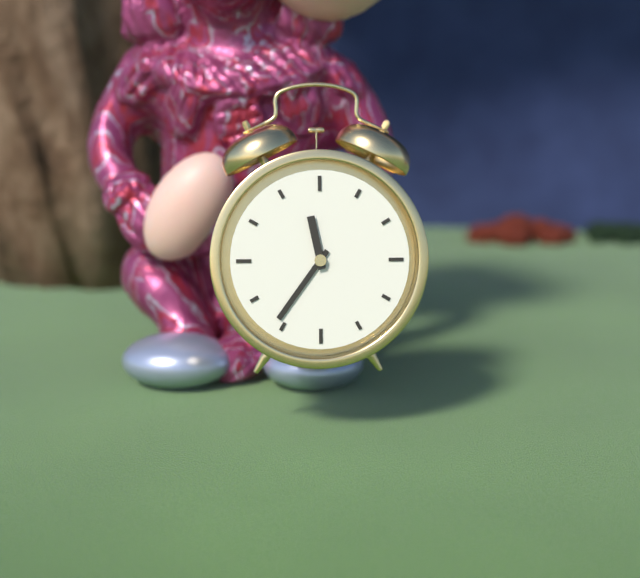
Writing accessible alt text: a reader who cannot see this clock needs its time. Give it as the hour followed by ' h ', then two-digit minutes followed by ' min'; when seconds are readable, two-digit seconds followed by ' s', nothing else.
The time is 11 h 36 min
